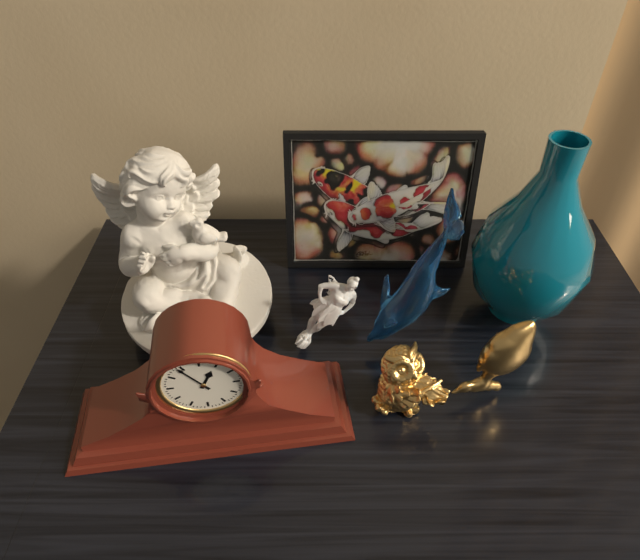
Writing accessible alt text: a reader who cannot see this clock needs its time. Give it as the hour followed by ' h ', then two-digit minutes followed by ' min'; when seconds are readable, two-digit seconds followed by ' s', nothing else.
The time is 12 h 54 min
